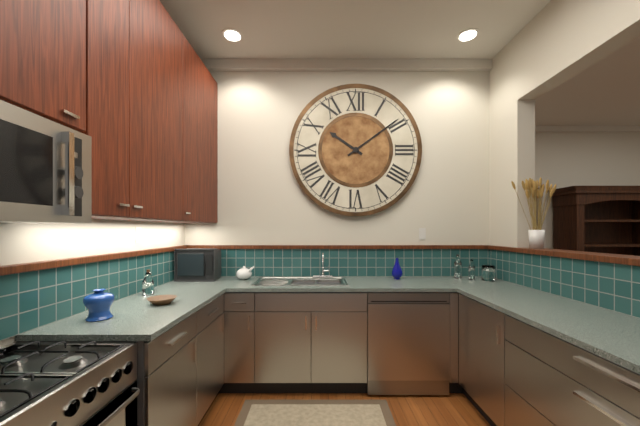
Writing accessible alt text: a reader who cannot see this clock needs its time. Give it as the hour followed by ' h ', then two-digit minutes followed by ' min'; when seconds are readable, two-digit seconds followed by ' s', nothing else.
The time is 10 h 09 min
